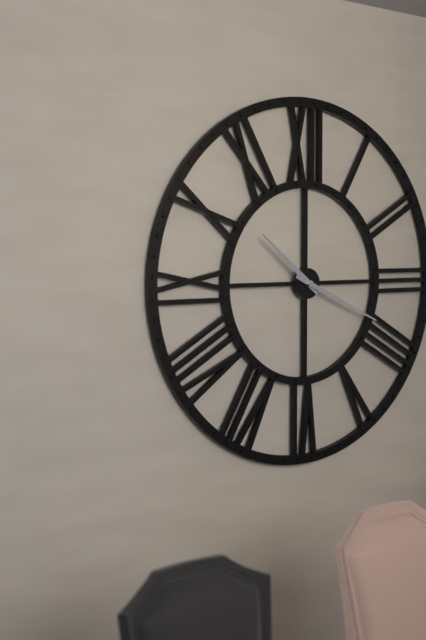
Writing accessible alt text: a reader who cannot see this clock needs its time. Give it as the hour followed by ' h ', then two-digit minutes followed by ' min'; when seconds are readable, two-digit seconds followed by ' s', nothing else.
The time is 10 h 19 min
